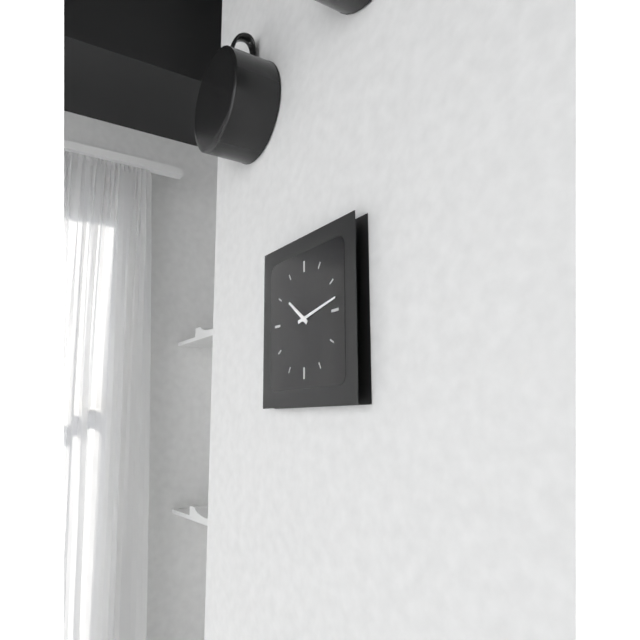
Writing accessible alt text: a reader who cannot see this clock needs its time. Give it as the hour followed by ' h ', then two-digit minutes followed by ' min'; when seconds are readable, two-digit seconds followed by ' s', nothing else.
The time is 10 h 13 min
